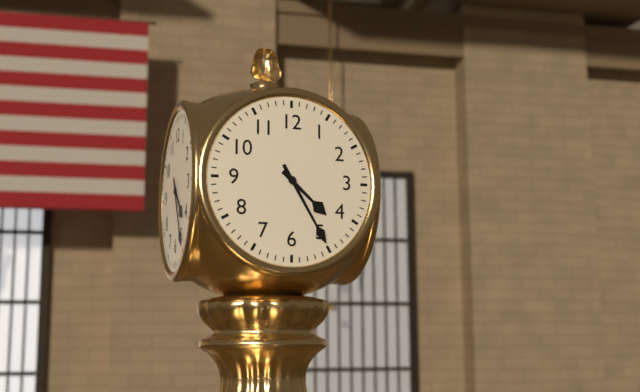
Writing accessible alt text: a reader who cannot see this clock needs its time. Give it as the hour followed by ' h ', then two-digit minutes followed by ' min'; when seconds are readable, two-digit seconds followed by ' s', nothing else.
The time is 4 h 25 min
